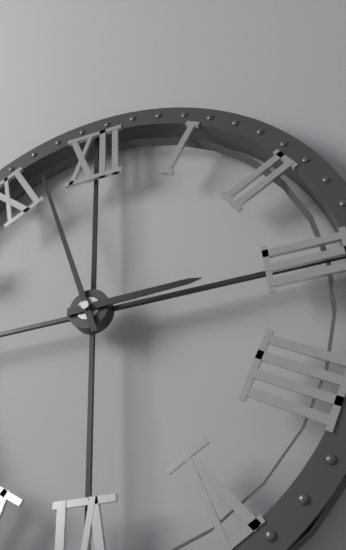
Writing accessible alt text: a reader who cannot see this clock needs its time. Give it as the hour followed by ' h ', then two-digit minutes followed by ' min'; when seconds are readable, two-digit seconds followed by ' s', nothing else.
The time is 2 h 57 min
